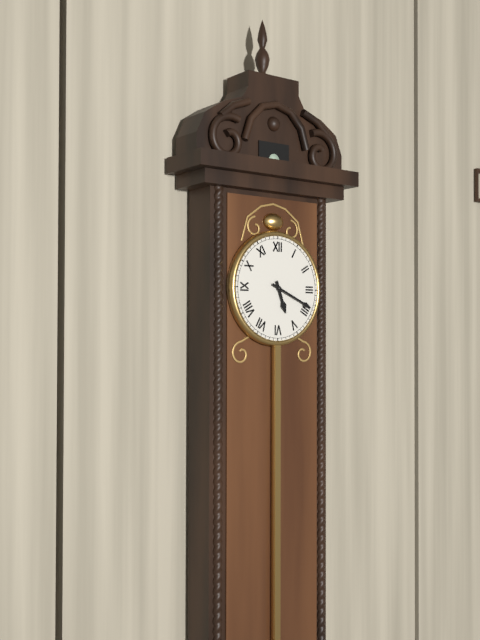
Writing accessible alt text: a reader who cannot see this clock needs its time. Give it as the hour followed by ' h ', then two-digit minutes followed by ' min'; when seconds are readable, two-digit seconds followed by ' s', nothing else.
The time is 5 h 19 min
